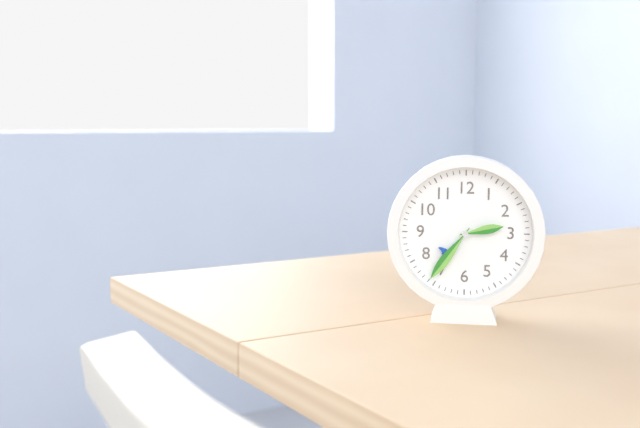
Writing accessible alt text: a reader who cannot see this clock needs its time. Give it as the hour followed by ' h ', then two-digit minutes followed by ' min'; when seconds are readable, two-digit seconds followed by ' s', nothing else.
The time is 2 h 36 min
